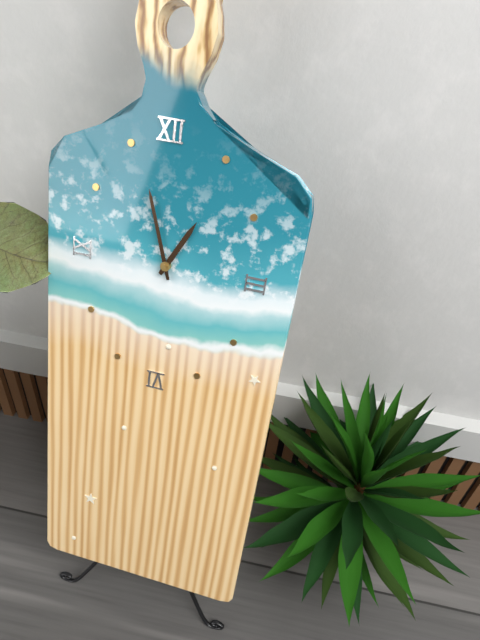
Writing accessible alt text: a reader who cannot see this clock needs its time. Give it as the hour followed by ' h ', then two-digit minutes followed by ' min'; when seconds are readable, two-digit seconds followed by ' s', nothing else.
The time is 12 h 57 min
